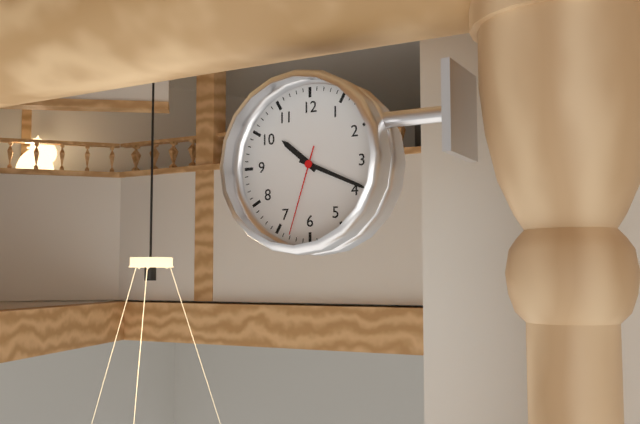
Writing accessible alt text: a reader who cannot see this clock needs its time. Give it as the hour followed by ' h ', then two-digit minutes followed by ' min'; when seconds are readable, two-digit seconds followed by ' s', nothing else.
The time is 10 h 19 min 33 s
